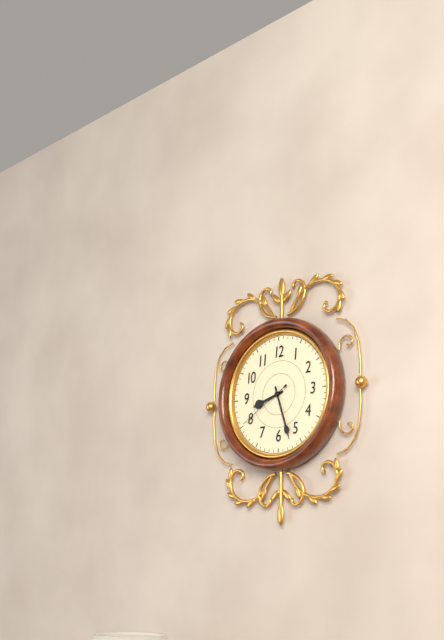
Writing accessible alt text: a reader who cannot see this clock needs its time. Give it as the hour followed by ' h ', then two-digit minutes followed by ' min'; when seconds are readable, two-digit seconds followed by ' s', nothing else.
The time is 8 h 27 min 40 s
